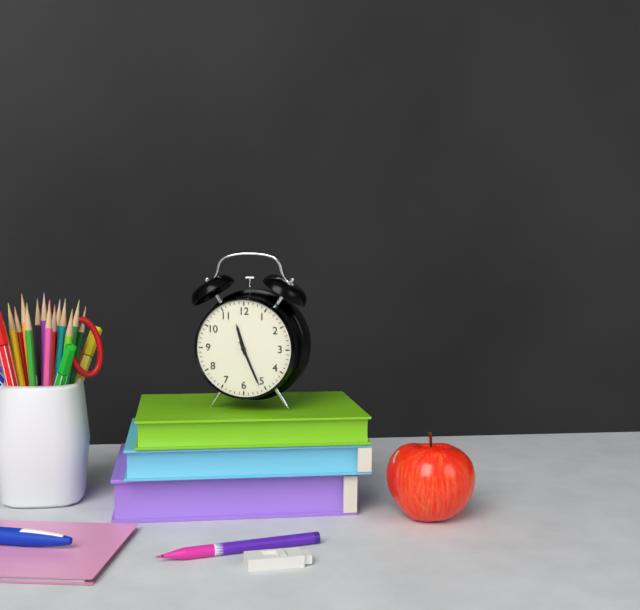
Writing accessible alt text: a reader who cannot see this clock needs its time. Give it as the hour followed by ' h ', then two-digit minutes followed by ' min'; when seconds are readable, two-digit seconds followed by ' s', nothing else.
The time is 11 h 26 min
